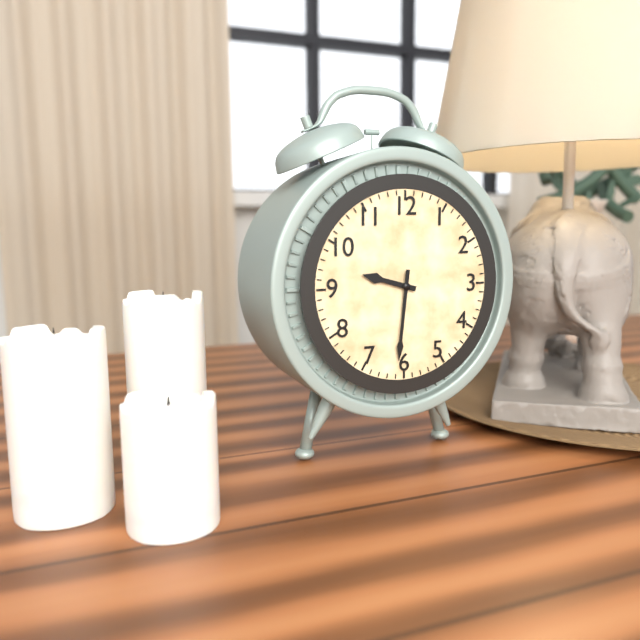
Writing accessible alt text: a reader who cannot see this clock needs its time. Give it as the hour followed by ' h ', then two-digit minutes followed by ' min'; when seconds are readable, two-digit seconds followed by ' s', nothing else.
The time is 9 h 31 min
